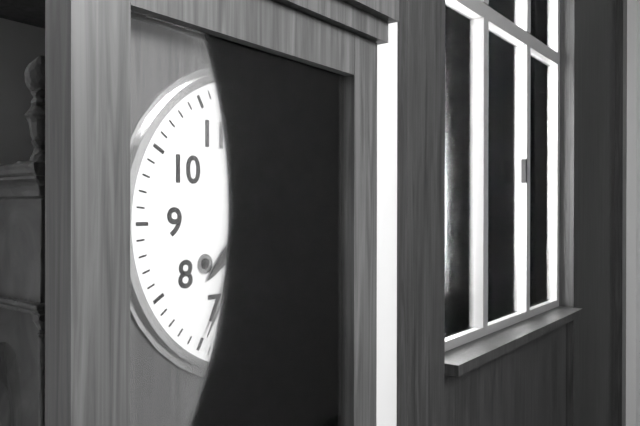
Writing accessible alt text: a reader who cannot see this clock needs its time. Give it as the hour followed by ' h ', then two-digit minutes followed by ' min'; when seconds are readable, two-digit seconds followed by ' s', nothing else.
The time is 7 h 35 min
